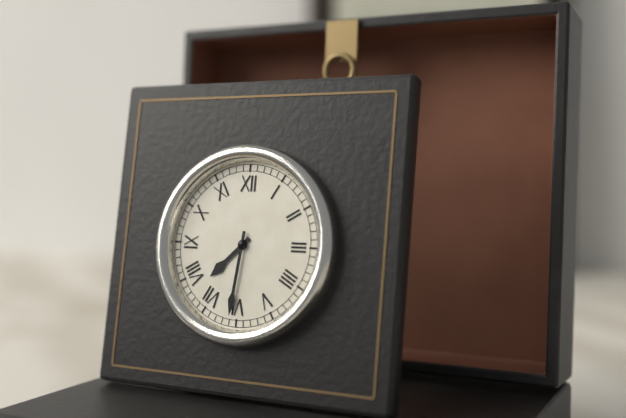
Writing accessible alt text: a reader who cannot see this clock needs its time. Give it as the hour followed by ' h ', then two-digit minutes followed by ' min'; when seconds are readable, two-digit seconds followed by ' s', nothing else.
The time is 7 h 31 min
